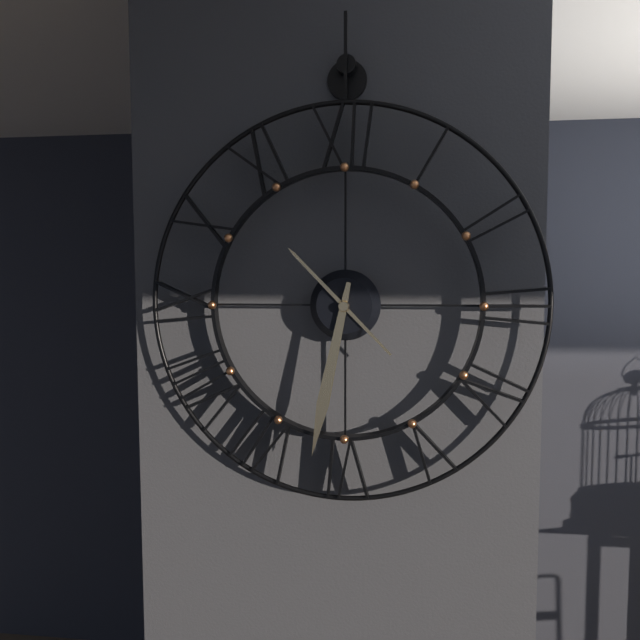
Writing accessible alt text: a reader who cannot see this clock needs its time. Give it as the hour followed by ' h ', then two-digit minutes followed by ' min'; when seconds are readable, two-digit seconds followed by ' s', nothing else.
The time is 10 h 32 min
